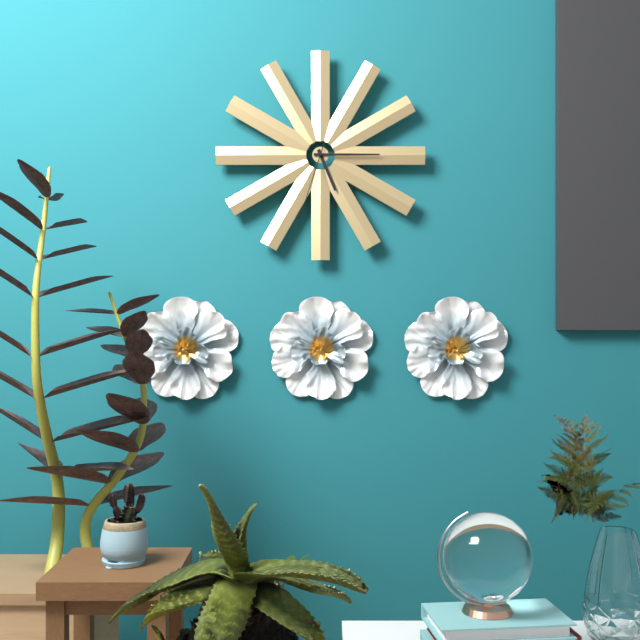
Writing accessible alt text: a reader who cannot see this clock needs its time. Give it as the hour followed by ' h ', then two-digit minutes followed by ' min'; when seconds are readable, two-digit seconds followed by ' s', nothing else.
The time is 5 h 15 min 33 s
